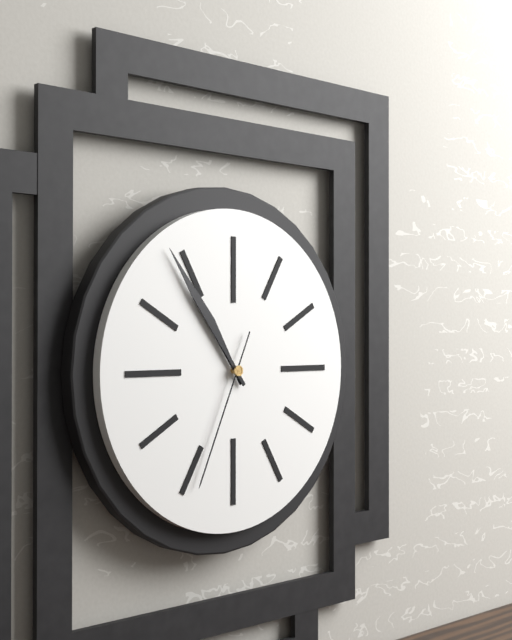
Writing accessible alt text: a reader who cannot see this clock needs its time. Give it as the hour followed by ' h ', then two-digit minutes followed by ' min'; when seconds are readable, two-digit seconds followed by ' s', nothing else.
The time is 10 h 54 min 34 s
